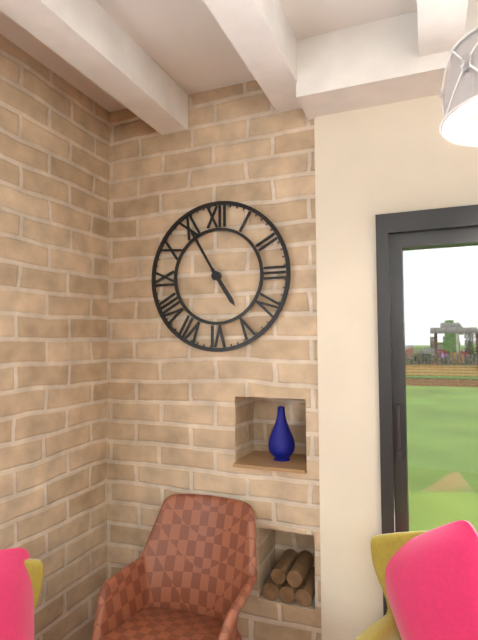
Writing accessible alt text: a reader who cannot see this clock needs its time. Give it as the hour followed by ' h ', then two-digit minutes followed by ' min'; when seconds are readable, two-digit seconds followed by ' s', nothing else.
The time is 4 h 55 min
